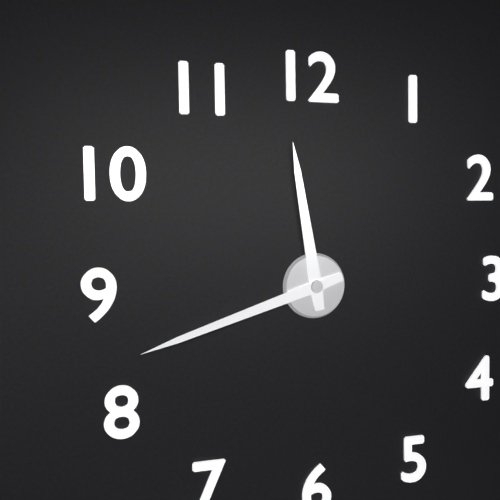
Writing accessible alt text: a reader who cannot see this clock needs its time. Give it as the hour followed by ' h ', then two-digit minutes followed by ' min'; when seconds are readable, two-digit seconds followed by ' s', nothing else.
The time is 11 h 42 min
